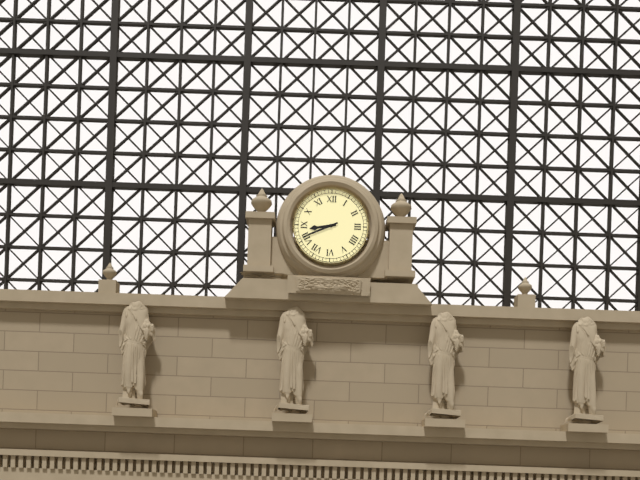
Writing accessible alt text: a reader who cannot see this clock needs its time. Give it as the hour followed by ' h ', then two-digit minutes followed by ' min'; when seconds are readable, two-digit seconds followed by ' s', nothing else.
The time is 8 h 41 min
